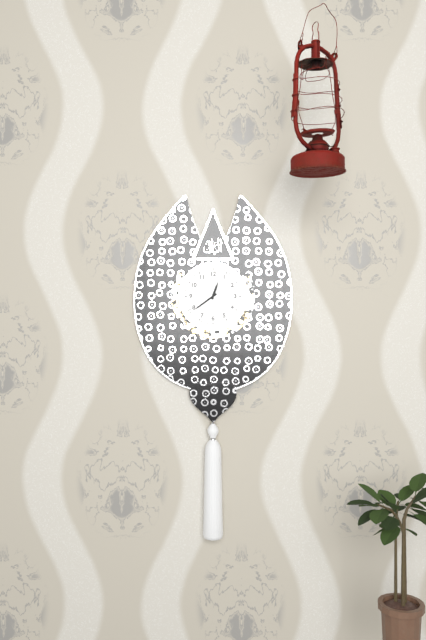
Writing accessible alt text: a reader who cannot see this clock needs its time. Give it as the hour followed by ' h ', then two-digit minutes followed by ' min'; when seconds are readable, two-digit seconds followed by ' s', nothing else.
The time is 12 h 39 min
